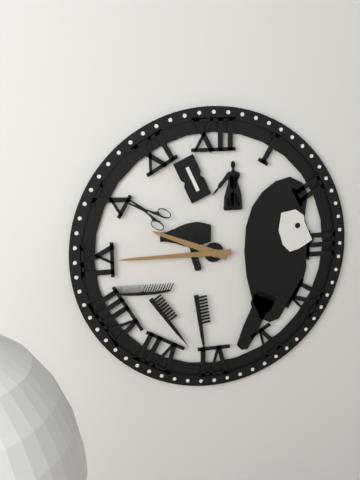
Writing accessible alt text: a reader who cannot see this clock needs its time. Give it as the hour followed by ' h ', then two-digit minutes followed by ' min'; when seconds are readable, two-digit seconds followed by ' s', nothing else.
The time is 9 h 45 min
